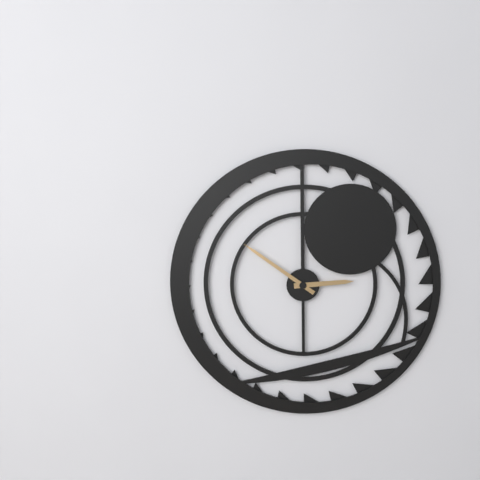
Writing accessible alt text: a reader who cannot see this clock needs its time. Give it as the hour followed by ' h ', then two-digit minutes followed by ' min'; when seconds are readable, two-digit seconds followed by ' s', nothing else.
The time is 2 h 51 min
